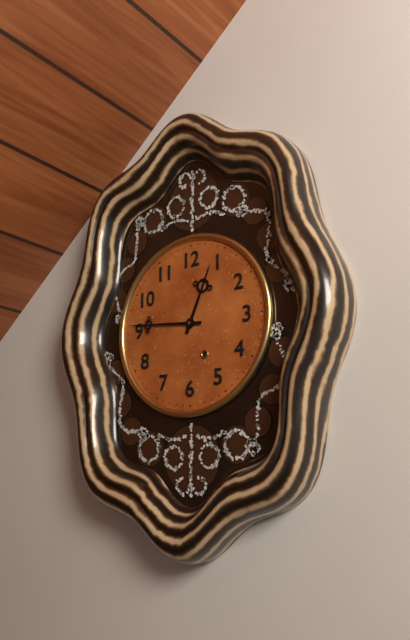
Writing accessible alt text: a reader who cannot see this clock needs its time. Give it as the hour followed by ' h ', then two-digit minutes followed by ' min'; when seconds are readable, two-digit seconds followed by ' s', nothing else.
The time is 12 h 46 min
